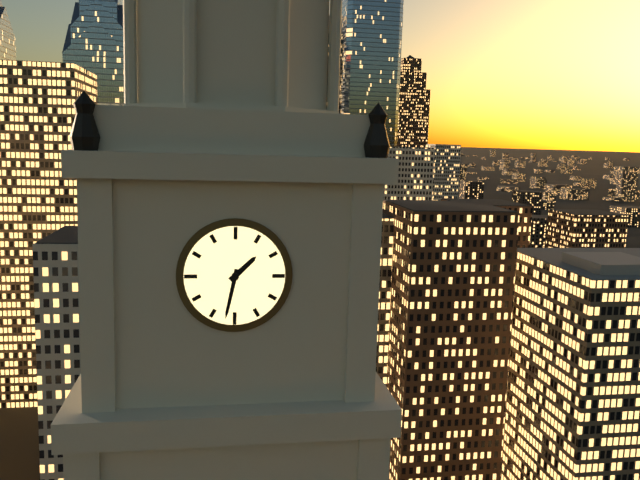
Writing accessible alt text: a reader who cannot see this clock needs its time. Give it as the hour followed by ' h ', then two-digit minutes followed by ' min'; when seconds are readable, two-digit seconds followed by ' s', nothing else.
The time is 1 h 32 min
